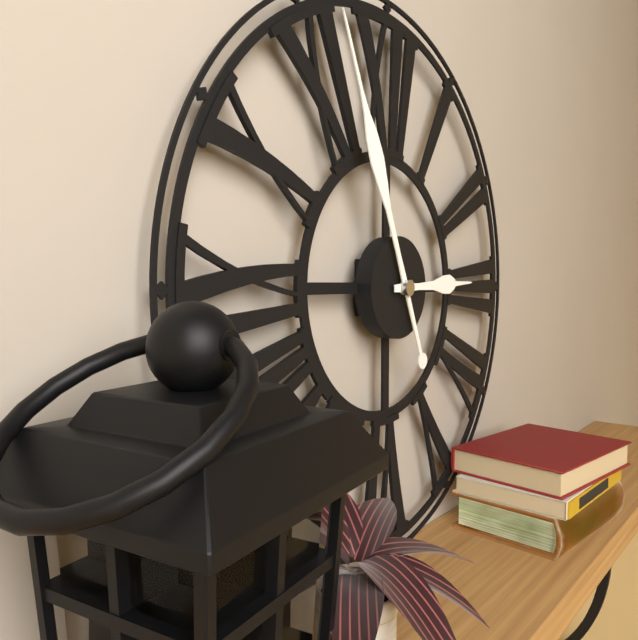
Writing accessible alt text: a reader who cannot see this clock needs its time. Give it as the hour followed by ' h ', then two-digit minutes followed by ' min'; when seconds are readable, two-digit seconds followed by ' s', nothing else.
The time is 2 h 56 min
